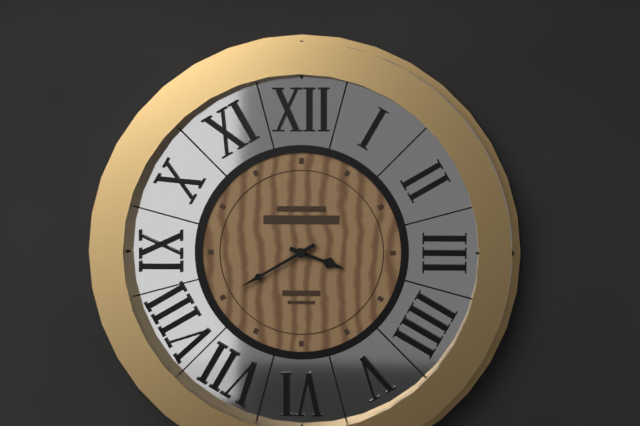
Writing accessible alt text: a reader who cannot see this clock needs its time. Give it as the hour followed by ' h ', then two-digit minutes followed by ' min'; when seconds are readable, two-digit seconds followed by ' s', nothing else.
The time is 3 h 40 min
